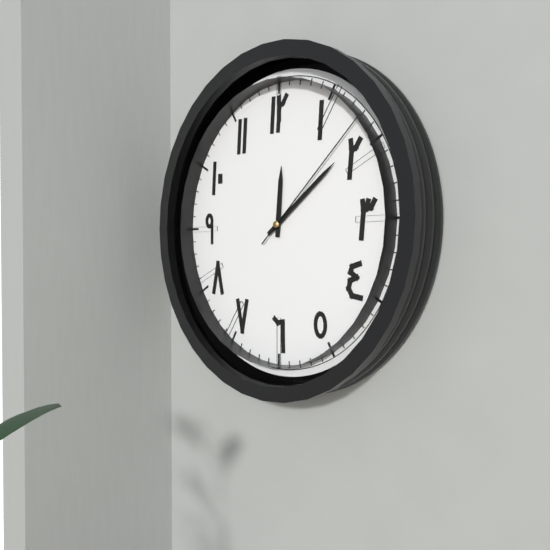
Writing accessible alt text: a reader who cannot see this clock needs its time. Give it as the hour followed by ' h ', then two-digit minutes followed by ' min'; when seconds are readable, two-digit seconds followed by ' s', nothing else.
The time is 12 h 09 min 08 s
